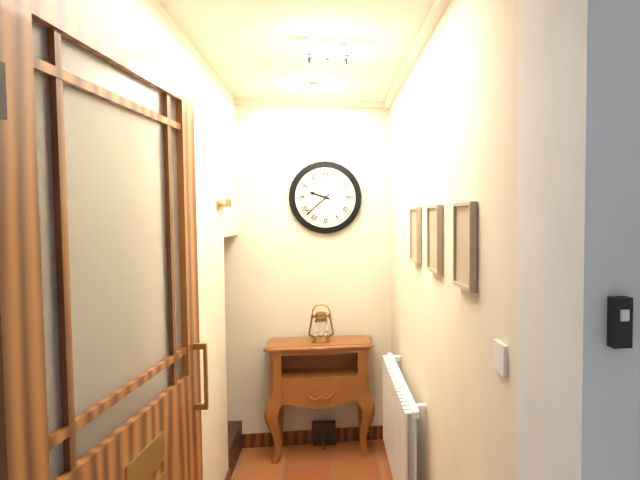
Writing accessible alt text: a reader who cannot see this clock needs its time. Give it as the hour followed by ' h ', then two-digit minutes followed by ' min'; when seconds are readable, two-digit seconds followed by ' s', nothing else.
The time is 9 h 38 min
